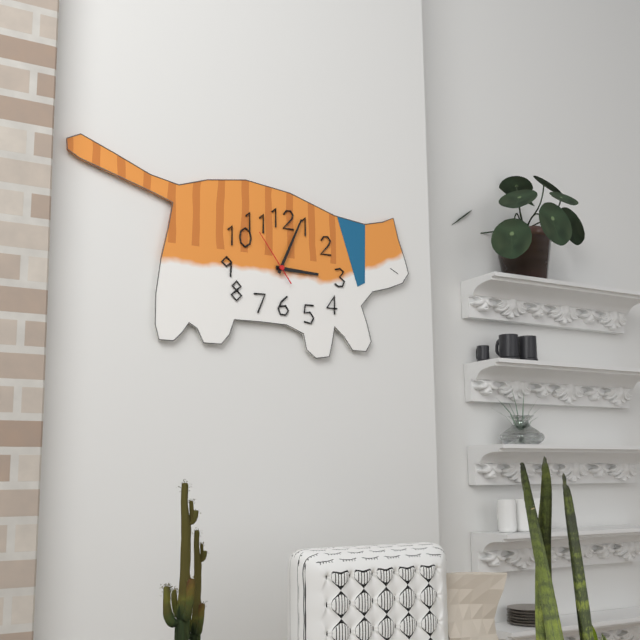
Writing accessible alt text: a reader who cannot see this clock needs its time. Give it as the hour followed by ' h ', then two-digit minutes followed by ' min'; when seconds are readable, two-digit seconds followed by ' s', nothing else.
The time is 3 h 04 min 54 s
